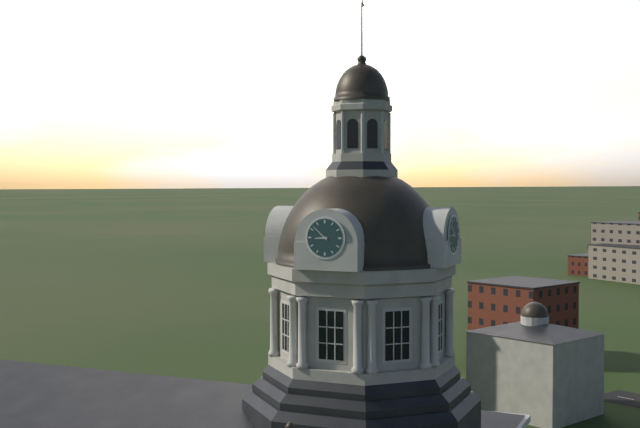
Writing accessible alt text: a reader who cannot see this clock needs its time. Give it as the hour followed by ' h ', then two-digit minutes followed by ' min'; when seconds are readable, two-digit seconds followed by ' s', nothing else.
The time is 8 h 52 min
